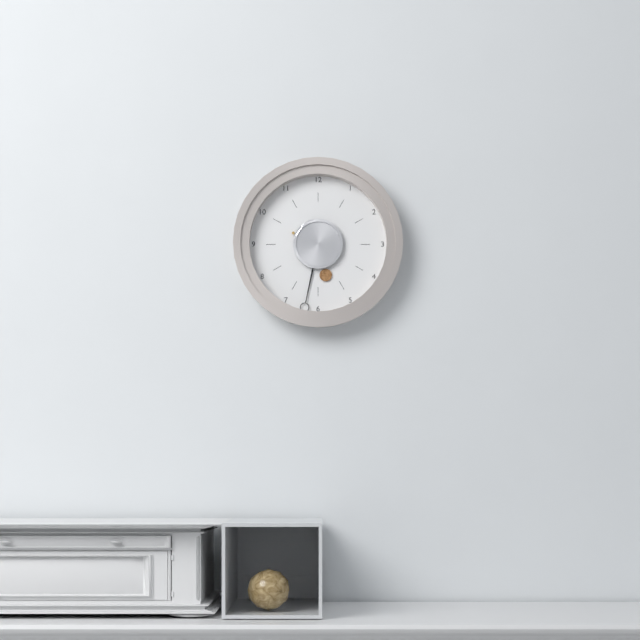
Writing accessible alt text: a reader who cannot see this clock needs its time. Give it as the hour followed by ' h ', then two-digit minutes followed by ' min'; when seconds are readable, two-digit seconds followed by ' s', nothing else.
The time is 5 h 32 min
